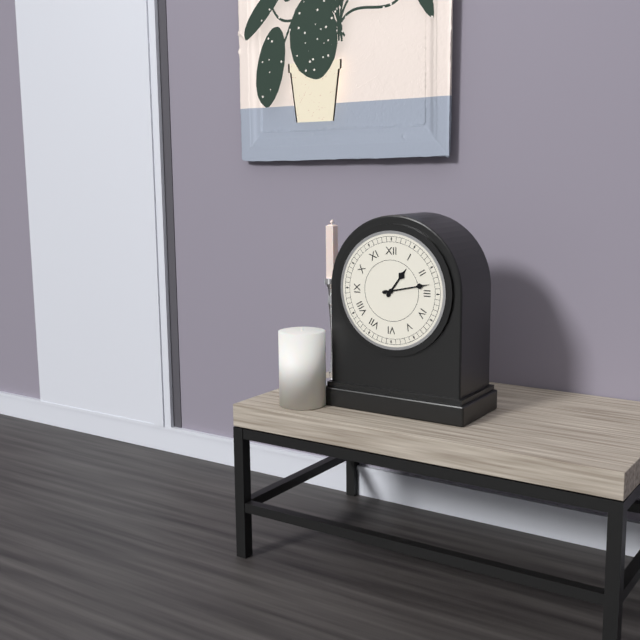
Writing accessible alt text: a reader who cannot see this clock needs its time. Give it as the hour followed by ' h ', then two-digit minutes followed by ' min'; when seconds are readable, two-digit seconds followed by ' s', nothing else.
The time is 1 h 13 min
